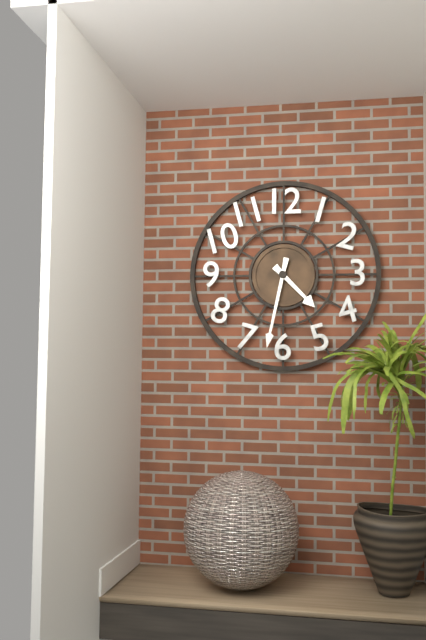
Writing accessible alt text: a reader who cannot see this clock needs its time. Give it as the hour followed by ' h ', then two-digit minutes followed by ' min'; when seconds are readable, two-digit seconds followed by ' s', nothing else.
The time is 4 h 32 min
